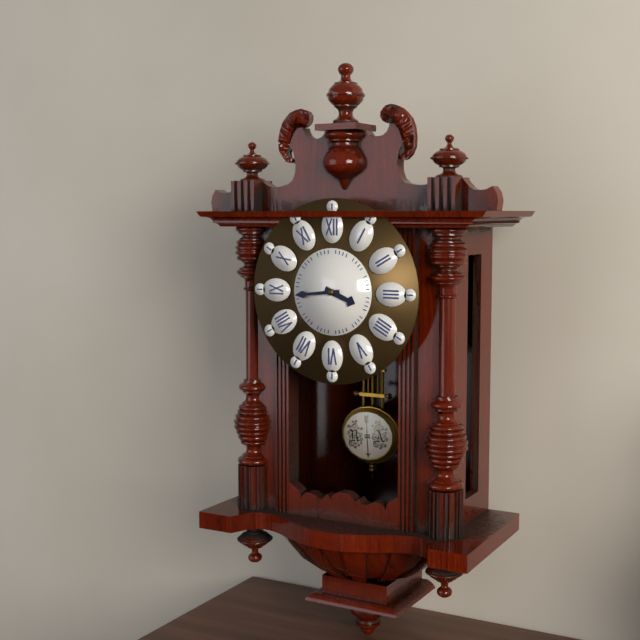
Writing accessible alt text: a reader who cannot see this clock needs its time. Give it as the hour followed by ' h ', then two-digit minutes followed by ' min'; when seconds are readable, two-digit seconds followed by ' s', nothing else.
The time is 3 h 44 min
